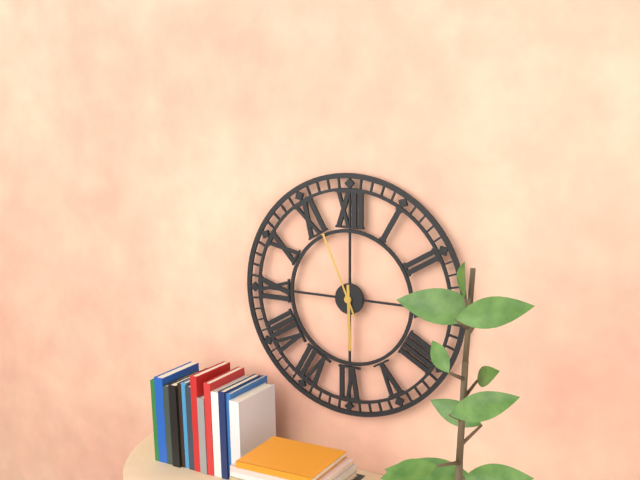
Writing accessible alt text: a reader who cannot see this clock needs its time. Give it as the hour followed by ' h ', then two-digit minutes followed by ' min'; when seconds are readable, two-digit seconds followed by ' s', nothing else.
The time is 5 h 56 min
